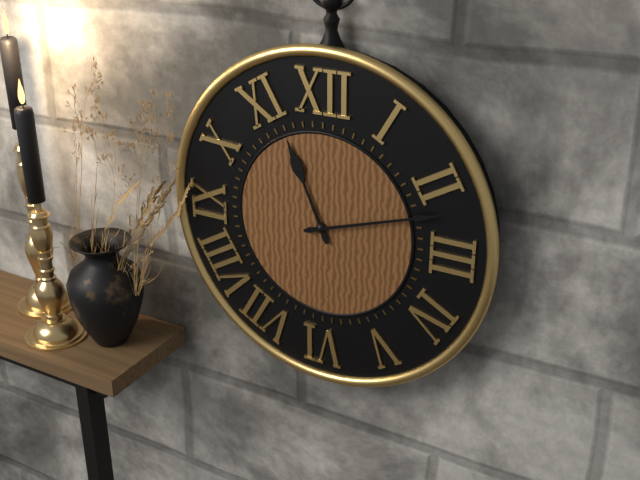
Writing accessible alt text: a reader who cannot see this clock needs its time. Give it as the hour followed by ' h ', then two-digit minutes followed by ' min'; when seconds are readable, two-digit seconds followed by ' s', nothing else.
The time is 11 h 12 min
